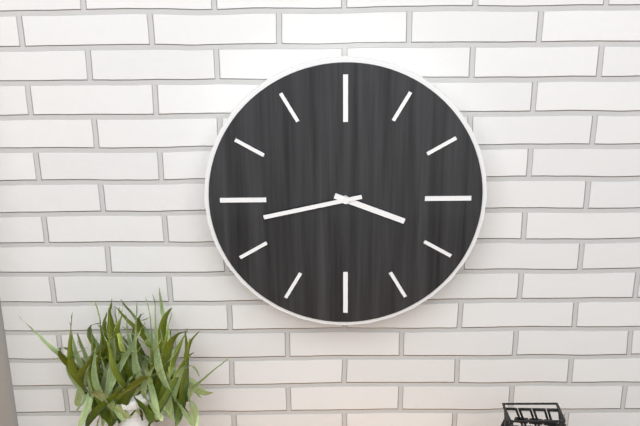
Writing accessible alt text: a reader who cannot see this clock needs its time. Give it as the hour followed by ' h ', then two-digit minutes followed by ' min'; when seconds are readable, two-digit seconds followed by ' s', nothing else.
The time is 3 h 43 min
